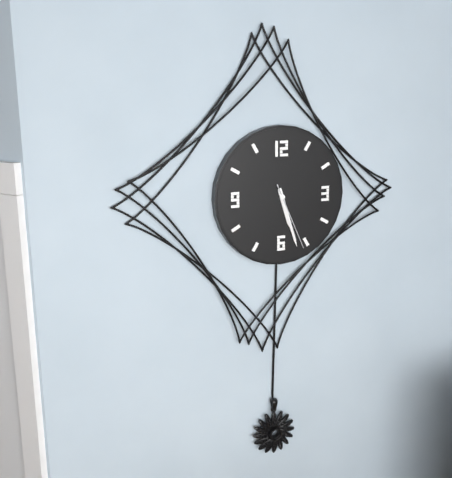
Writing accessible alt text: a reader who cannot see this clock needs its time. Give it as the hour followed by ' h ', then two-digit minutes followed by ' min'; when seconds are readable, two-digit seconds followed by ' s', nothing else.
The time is 5 h 27 min 26 s
